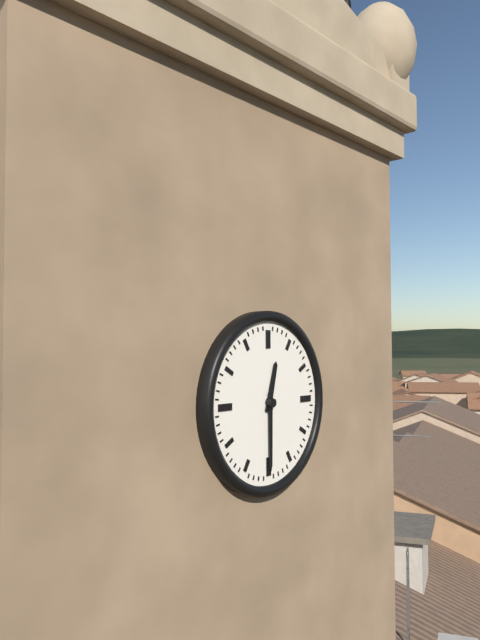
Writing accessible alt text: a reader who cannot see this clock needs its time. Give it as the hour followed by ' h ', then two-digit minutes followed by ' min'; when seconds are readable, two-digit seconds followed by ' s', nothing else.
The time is 12 h 30 min
